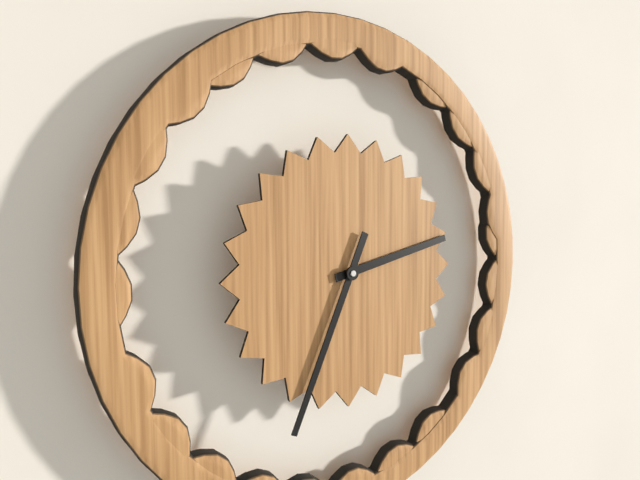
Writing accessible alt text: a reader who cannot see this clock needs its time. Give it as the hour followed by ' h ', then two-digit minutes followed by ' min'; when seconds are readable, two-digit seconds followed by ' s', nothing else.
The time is 2 h 34 min
